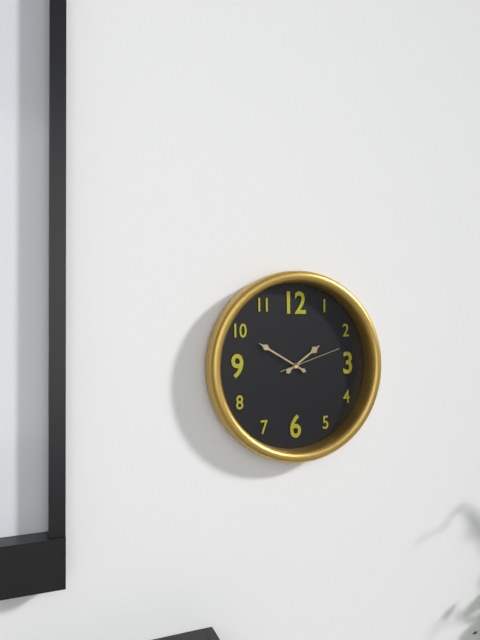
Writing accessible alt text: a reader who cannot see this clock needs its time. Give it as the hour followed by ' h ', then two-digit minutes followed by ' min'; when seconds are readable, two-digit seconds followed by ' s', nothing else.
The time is 1 h 50 min 12 s
